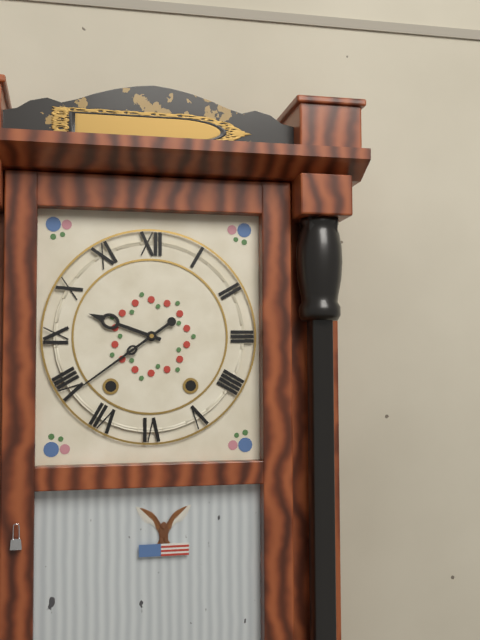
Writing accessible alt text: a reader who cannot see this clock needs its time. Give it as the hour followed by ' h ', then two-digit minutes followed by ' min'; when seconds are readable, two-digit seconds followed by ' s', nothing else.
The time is 9 h 39 min
